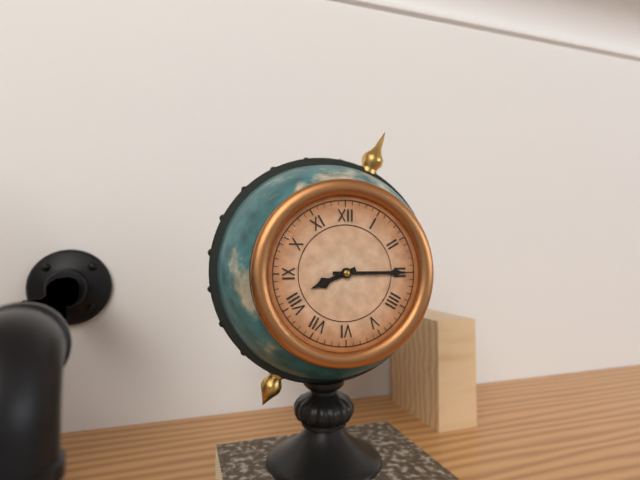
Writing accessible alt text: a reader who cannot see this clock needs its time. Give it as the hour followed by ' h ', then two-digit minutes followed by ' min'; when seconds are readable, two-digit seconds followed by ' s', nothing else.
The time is 8 h 15 min
